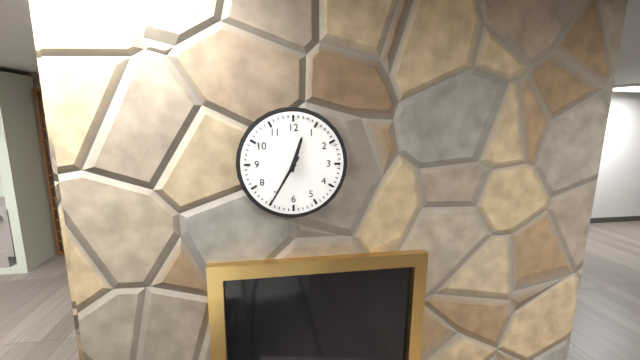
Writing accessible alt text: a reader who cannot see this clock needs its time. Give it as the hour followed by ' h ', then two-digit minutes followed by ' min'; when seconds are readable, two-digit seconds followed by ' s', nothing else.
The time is 12 h 35 min
